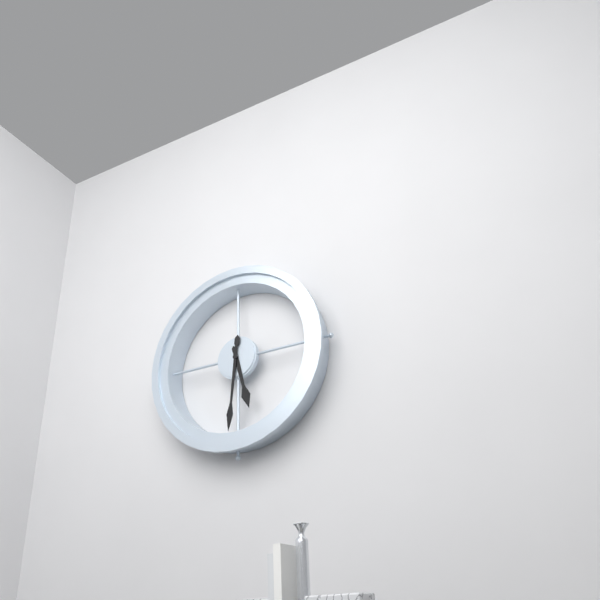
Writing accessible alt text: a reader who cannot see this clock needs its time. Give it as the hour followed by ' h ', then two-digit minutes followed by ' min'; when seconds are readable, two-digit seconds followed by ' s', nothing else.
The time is 5 h 31 min
